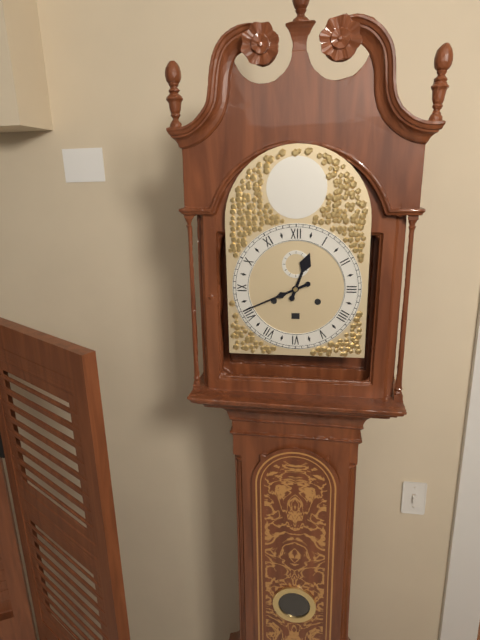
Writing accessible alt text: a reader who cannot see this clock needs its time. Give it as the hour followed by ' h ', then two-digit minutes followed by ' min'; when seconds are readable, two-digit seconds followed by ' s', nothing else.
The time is 12 h 41 min
